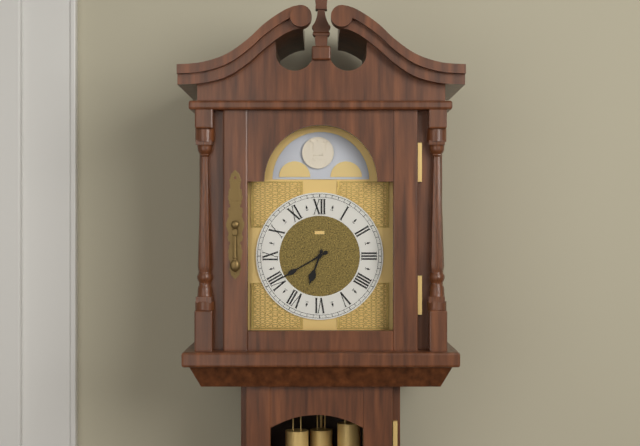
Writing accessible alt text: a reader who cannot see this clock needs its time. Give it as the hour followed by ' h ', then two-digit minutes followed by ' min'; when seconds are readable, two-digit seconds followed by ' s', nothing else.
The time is 6 h 40 min
